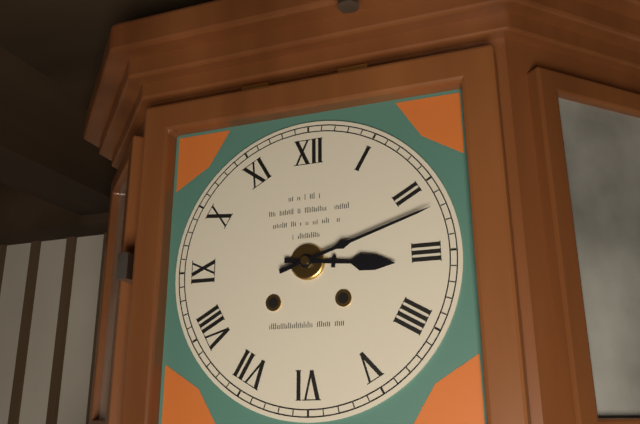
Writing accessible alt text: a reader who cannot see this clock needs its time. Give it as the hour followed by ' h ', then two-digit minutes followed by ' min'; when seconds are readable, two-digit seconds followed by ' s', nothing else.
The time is 3 h 12 min
